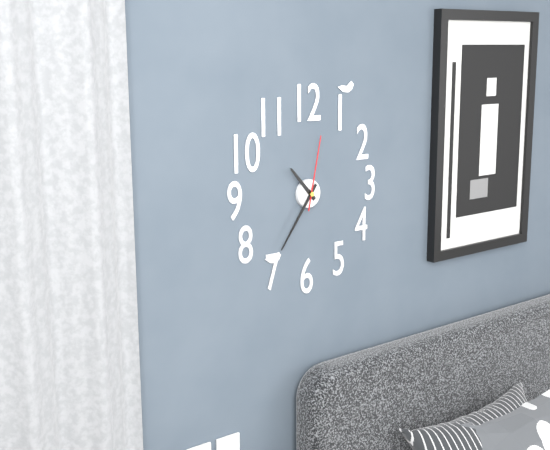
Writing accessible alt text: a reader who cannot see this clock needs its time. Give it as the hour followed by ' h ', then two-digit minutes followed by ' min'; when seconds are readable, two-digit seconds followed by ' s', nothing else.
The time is 10 h 36 min 02 s
